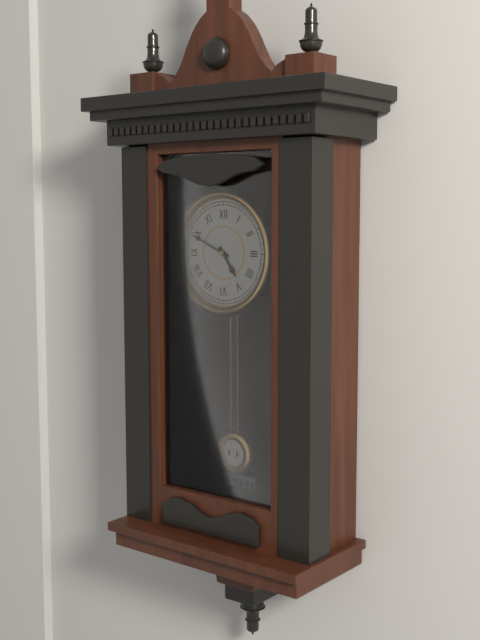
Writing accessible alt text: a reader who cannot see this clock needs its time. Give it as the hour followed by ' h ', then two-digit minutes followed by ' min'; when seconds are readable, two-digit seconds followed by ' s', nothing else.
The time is 4 h 49 min
